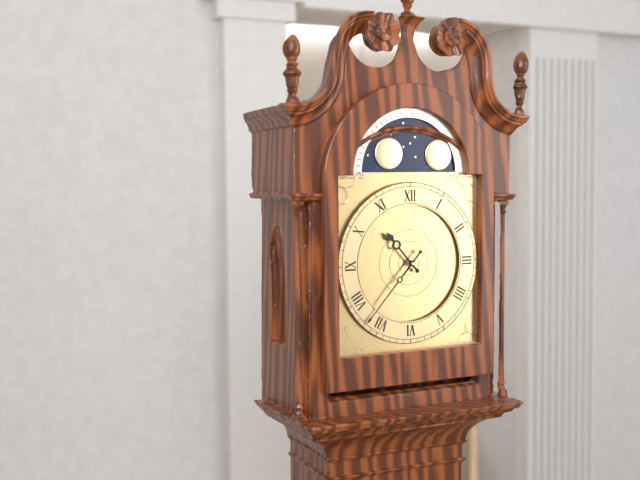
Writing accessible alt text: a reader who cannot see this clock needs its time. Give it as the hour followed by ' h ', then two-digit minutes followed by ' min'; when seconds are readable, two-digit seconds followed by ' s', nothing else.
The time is 10 h 37 min
